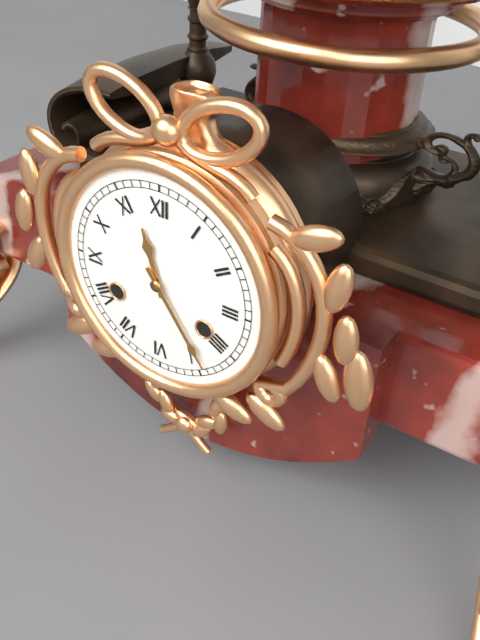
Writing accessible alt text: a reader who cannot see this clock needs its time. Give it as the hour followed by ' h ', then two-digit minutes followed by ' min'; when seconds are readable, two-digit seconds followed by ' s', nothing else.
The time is 11 h 24 min
